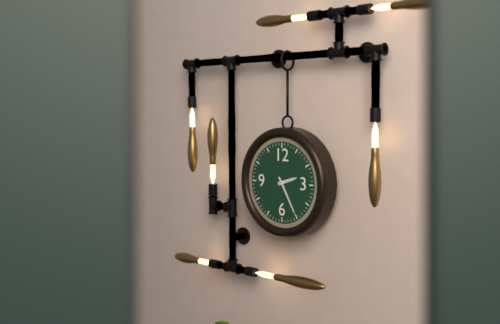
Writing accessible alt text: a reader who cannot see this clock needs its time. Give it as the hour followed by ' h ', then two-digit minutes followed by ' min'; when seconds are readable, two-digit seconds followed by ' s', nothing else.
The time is 2 h 25 min
